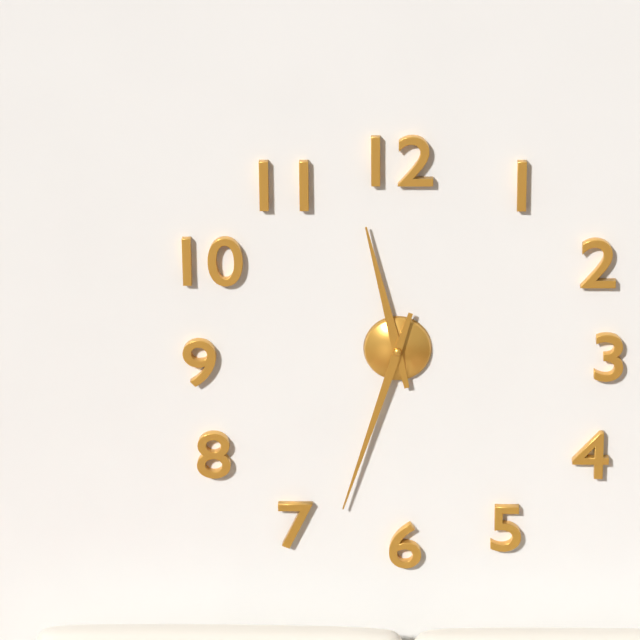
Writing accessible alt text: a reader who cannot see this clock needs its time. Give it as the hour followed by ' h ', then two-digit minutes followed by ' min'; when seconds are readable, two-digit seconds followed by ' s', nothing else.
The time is 11 h 33 min
